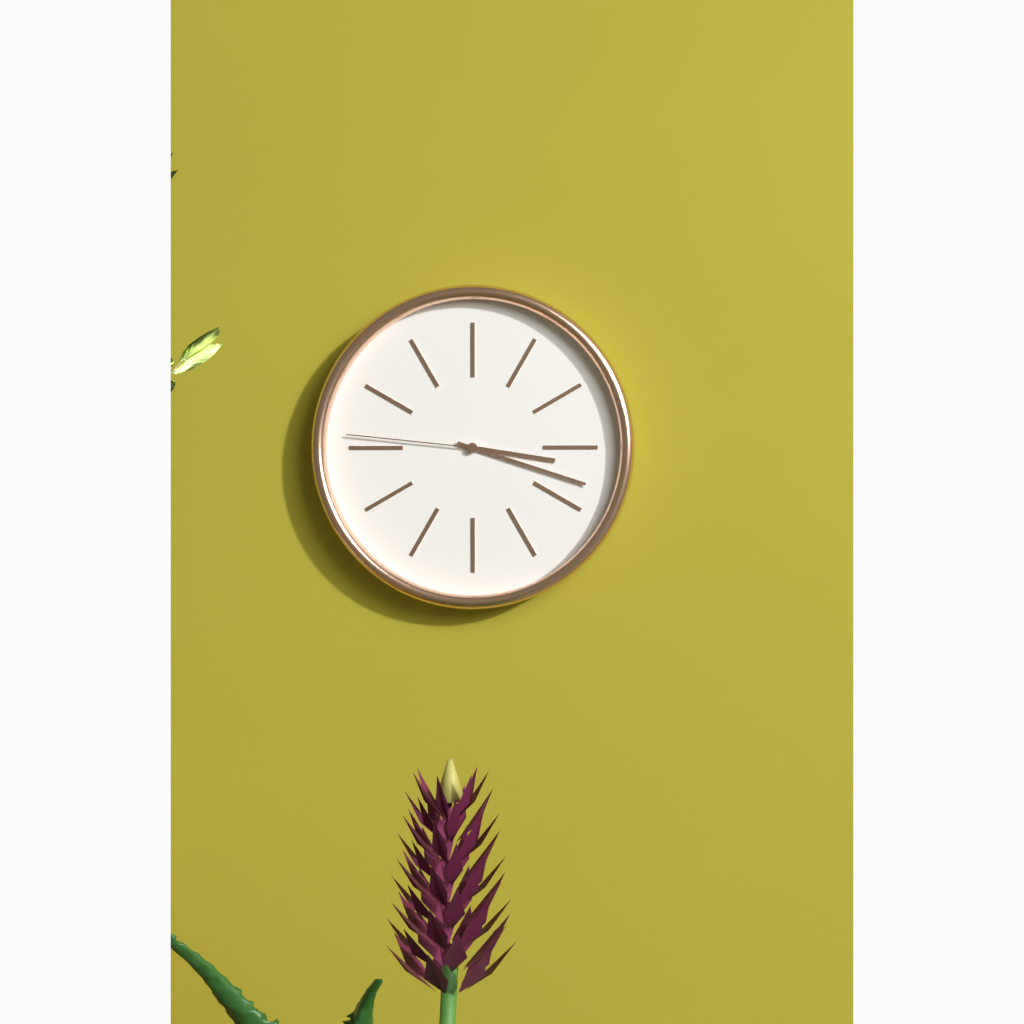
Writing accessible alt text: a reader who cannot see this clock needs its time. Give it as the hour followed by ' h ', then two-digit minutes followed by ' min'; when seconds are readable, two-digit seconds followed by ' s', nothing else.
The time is 3 h 18 min 46 s
